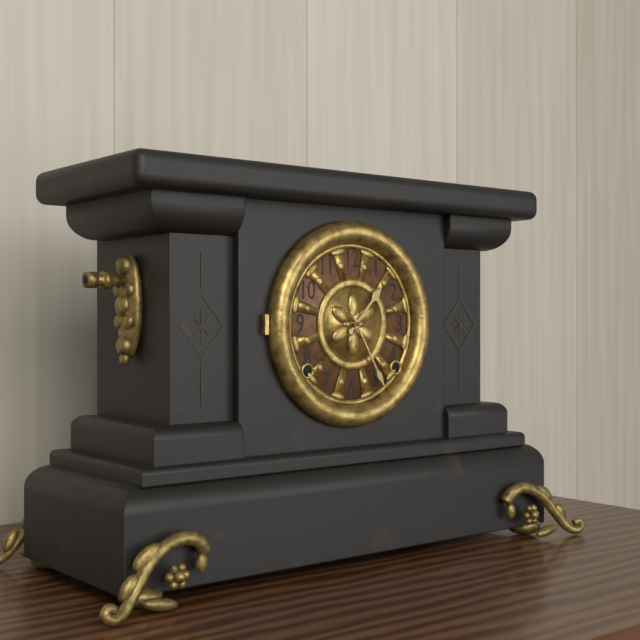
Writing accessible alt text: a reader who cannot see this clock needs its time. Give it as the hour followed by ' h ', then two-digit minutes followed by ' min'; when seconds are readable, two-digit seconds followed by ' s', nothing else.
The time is 1 h 25 min
